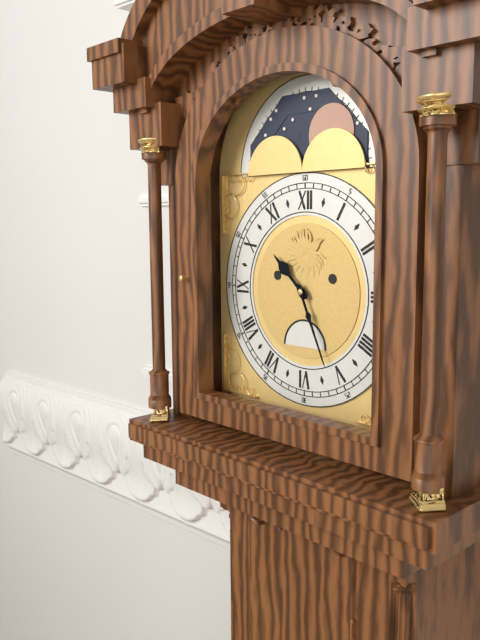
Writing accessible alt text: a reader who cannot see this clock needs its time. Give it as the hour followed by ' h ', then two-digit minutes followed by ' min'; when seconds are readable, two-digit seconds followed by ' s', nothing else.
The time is 10 h 26 min
